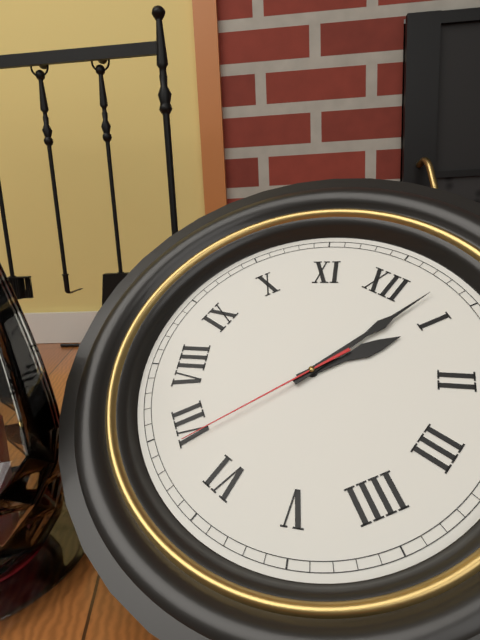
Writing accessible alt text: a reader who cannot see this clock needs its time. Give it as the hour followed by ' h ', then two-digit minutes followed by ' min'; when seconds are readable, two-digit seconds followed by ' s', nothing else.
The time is 1 h 03 min 34 s
